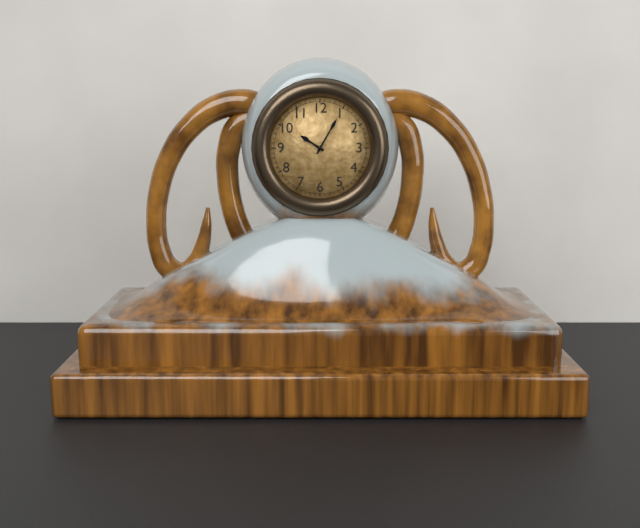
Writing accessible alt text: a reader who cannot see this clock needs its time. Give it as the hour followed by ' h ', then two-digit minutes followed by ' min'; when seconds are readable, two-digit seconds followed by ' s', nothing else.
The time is 10 h 05 min
